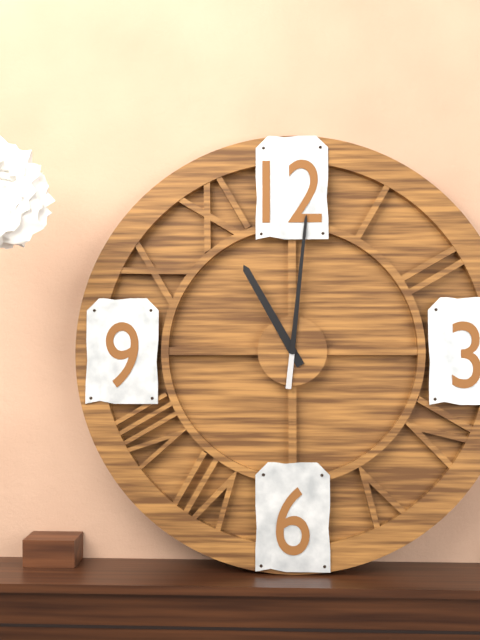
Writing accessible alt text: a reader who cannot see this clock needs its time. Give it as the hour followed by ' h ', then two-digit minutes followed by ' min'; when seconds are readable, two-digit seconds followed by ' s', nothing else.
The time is 11 h 01 min
